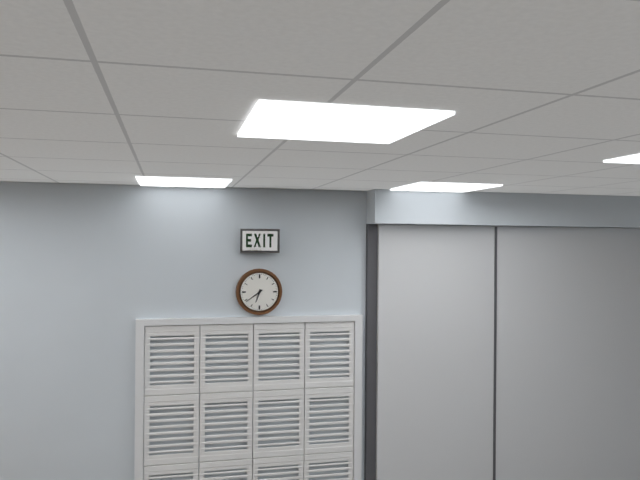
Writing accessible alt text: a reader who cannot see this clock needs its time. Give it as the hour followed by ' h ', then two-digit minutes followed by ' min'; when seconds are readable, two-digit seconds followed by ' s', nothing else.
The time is 6 h 39 min
